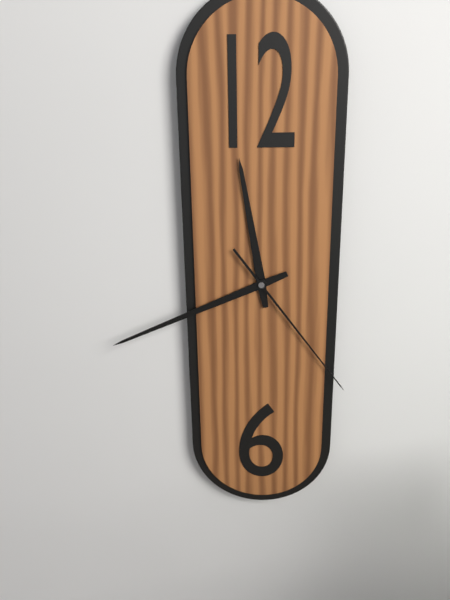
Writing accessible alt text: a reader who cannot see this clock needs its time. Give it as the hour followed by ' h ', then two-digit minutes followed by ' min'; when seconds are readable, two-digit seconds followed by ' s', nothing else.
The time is 11 h 41 min 24 s
